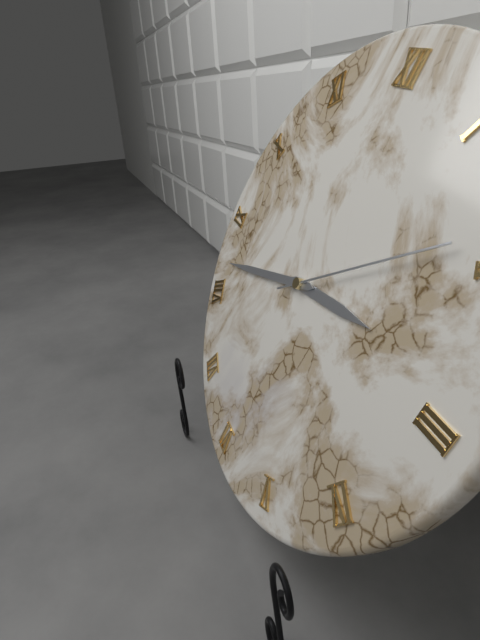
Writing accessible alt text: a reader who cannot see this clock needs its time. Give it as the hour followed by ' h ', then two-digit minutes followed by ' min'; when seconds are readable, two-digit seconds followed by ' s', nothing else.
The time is 2 h 42 min 09 s
